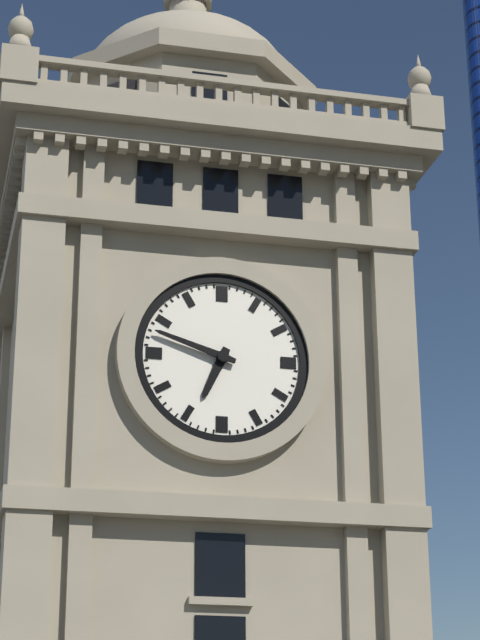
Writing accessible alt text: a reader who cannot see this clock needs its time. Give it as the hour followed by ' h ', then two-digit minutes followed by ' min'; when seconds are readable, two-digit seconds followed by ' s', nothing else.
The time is 6 h 48 min
